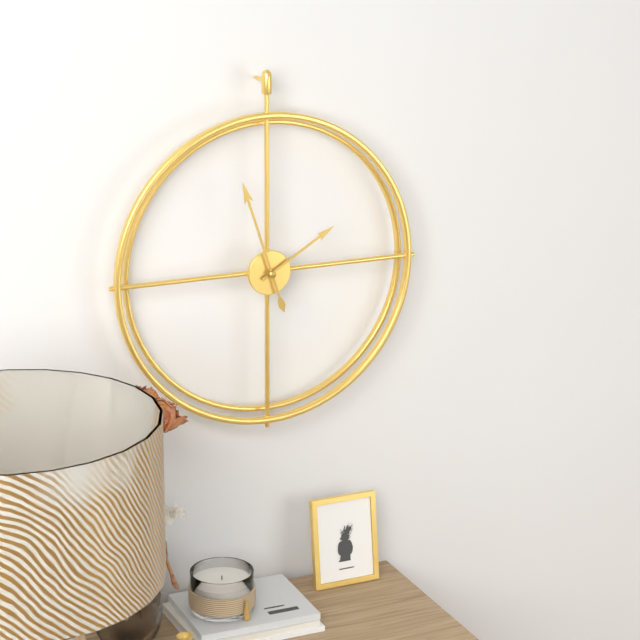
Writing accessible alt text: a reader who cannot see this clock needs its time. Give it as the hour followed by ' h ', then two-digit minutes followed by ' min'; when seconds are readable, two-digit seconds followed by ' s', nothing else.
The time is 1 h 57 min
